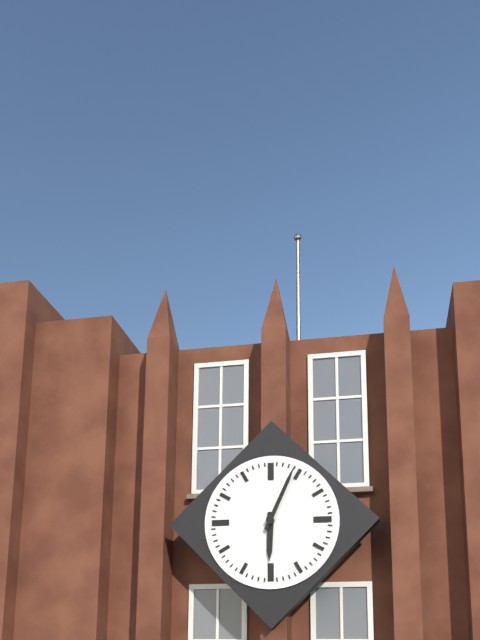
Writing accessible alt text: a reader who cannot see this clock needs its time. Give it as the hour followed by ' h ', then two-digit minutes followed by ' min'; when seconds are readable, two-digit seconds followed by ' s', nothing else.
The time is 6 h 04 min
